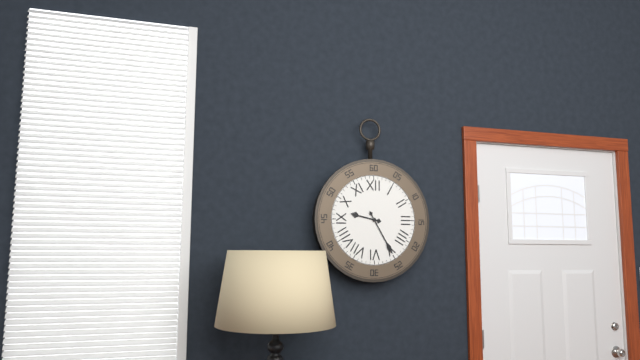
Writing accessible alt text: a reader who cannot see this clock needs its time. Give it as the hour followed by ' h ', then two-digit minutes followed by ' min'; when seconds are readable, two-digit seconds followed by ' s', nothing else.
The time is 9 h 25 min
